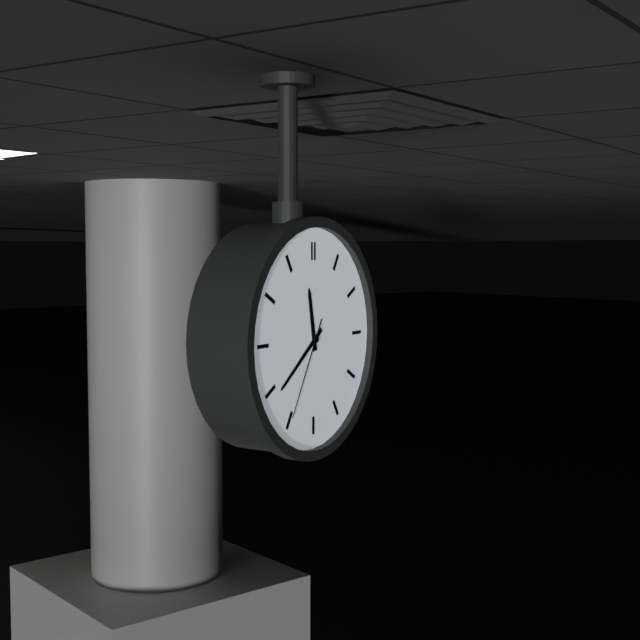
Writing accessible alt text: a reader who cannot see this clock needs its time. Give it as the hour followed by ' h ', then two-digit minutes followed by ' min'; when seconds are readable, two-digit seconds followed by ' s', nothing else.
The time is 11 h 39 min 35 s
